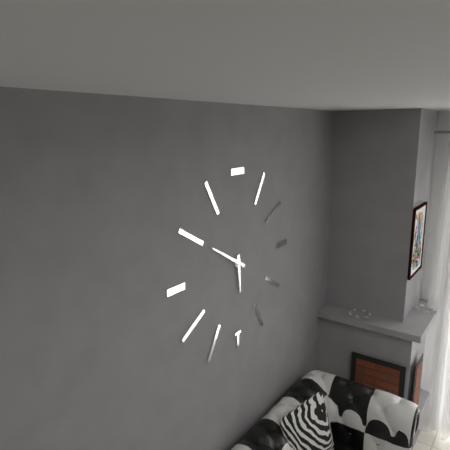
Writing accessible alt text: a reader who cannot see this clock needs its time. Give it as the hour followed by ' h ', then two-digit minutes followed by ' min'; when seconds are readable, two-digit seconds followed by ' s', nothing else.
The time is 5 h 50 min
